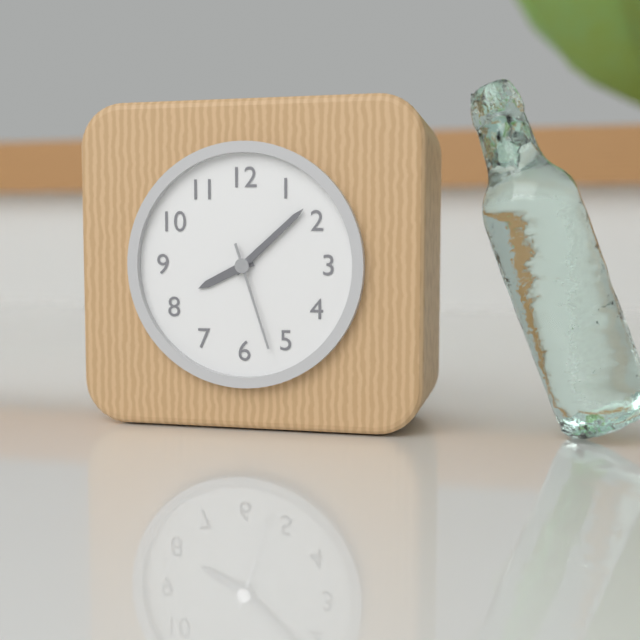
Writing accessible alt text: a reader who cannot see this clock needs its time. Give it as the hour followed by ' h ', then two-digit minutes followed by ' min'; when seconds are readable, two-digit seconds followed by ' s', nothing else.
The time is 8 h 08 min 27 s
